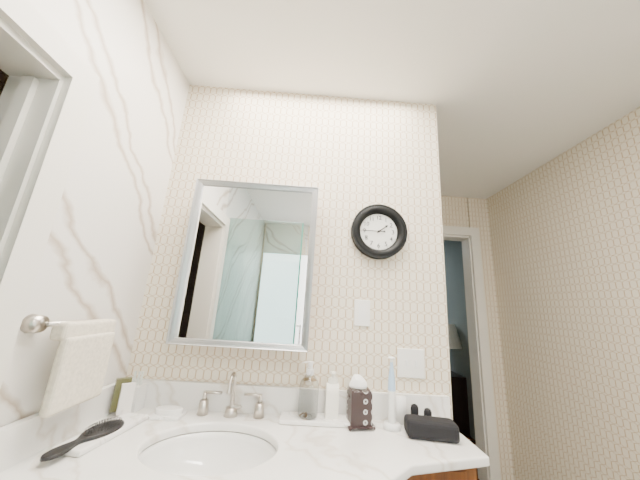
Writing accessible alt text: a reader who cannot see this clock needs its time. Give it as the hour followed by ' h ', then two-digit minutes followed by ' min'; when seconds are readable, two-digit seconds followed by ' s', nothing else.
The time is 1 h 45 min
